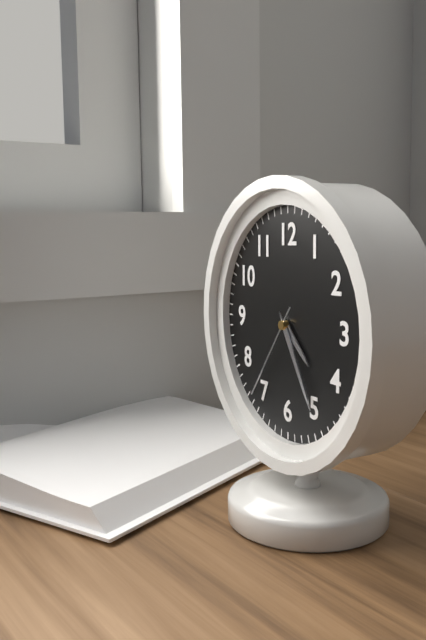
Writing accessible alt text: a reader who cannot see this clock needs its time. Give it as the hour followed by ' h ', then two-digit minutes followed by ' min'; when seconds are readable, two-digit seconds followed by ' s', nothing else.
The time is 4 h 25 min 36 s
